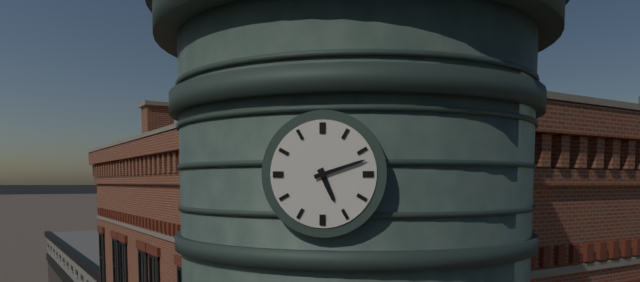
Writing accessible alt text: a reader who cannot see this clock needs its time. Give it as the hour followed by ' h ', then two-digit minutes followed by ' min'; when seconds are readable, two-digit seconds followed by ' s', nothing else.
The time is 5 h 12 min
